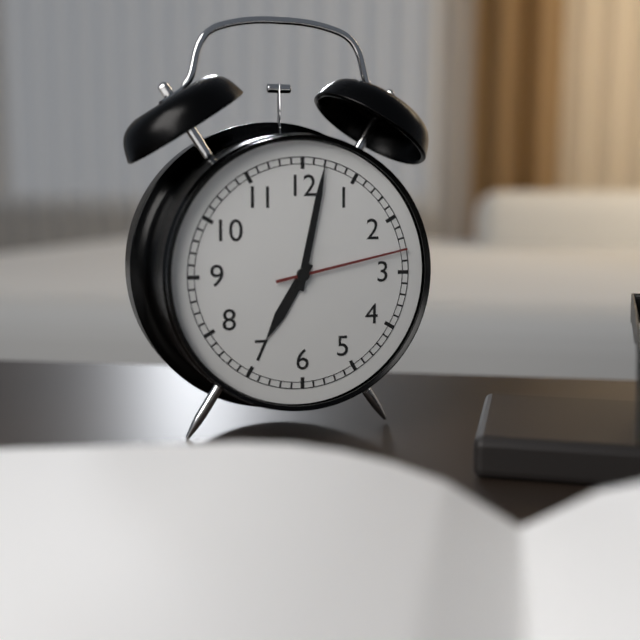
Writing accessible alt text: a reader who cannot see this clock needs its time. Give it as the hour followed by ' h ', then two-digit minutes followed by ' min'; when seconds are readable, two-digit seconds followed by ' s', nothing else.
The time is 7 h 02 min 13 s
